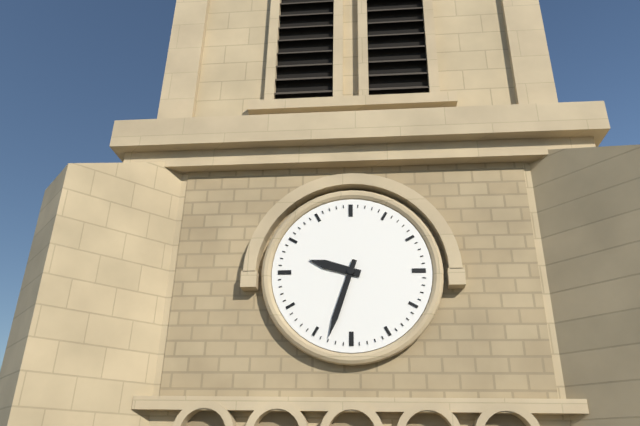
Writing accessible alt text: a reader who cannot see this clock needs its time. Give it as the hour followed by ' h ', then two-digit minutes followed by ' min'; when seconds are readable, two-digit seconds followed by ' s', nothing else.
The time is 9 h 33 min
